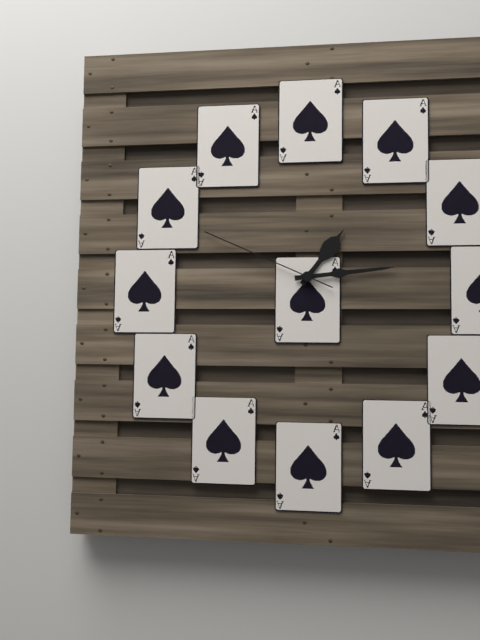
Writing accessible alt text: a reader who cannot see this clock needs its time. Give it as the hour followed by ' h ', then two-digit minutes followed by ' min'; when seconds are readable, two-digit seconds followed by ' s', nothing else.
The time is 1 h 14 min 49 s
